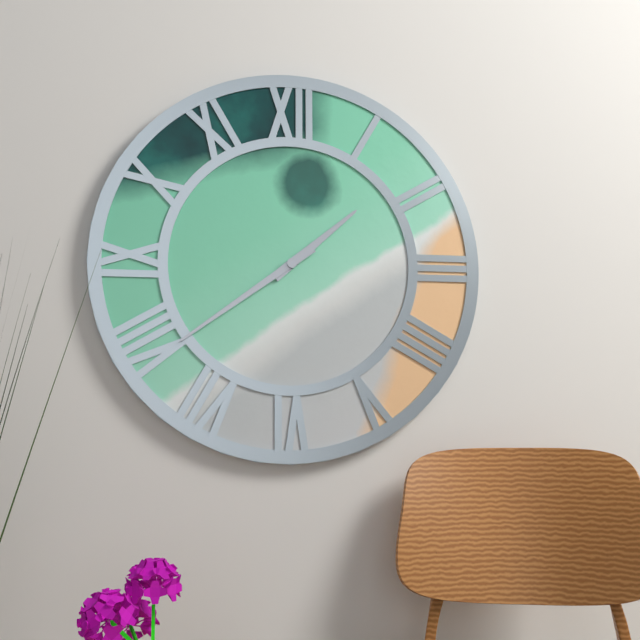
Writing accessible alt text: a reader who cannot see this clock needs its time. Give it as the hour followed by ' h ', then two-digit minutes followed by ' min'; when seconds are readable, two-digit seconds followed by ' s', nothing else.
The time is 1 h 39 min
